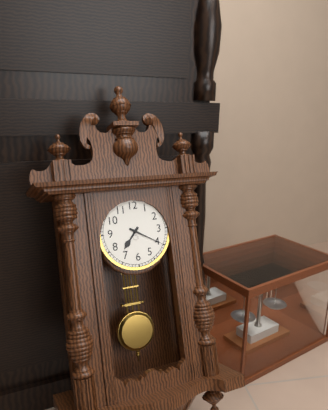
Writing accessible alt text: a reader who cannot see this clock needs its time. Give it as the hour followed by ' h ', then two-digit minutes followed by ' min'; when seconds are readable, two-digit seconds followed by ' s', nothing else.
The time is 7 h 20 min
